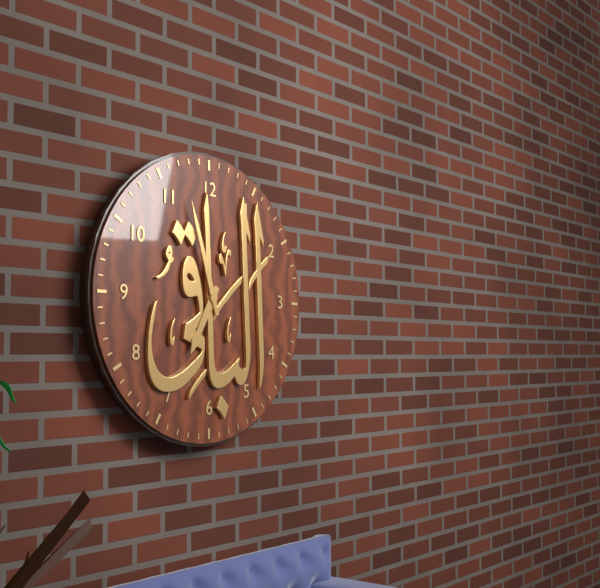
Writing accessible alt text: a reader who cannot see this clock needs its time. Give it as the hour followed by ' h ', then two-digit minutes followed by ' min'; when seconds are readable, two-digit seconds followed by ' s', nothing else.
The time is 6 h 57 min
